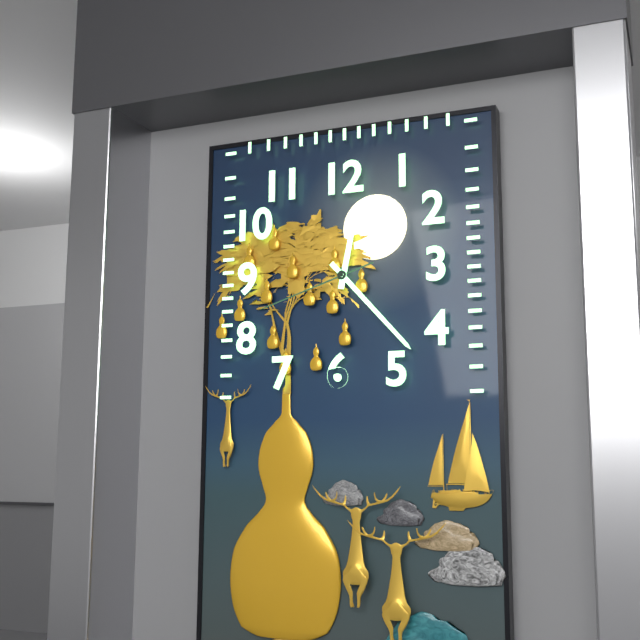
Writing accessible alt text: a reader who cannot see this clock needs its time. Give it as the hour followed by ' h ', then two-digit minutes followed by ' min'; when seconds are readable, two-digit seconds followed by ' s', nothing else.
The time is 12 h 23 min 42 s
